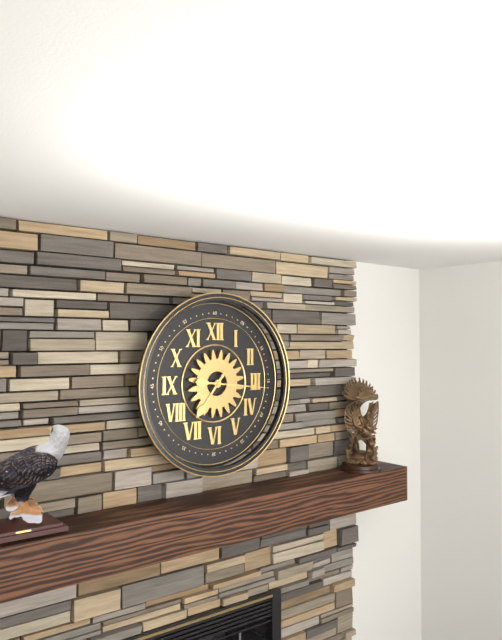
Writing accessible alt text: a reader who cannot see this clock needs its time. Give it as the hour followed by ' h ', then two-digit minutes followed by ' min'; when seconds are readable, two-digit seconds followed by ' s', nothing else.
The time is 7 h 16 min
